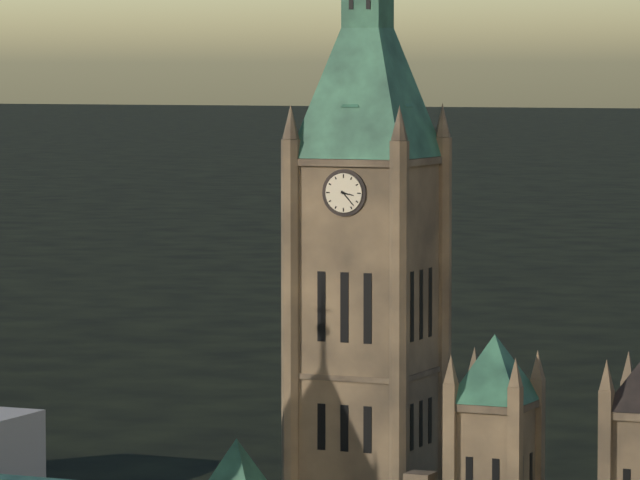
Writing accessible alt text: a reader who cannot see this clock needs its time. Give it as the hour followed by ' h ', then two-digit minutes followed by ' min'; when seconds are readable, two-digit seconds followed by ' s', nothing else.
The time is 3 h 23 min
